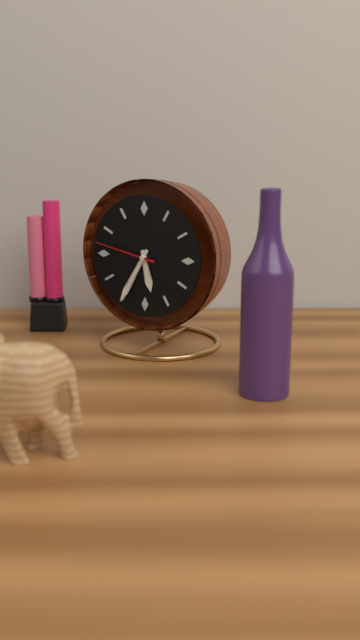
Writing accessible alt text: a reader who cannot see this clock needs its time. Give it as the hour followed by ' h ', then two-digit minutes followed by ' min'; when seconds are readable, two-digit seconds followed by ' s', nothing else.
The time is 5 h 35 min 47 s
